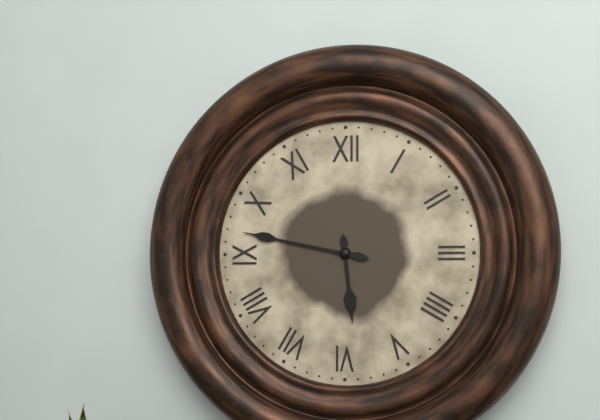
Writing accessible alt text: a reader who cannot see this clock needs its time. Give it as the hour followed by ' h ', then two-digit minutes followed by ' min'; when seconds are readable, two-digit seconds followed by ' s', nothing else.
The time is 5 h 47 min
